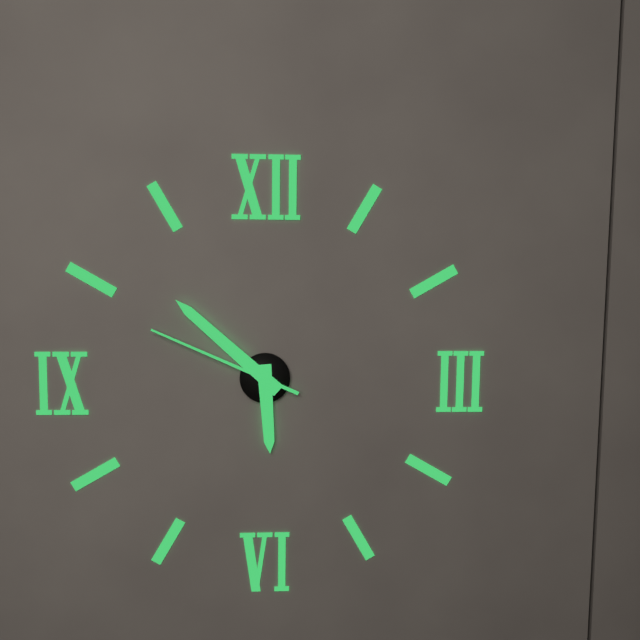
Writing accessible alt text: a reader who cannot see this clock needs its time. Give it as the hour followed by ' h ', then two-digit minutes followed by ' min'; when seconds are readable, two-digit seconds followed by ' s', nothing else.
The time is 5 h 52 min 49 s
